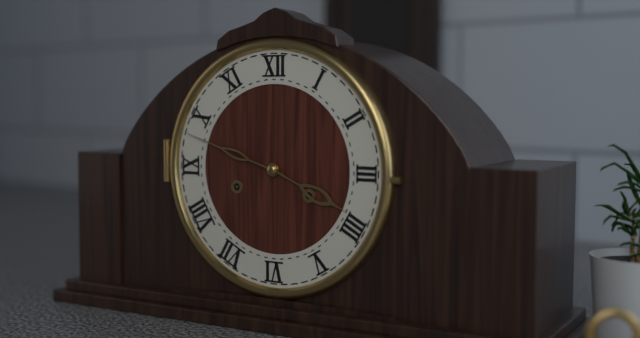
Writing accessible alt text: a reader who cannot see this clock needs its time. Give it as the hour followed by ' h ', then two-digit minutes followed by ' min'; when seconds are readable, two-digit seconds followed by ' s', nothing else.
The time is 3 h 48 min
